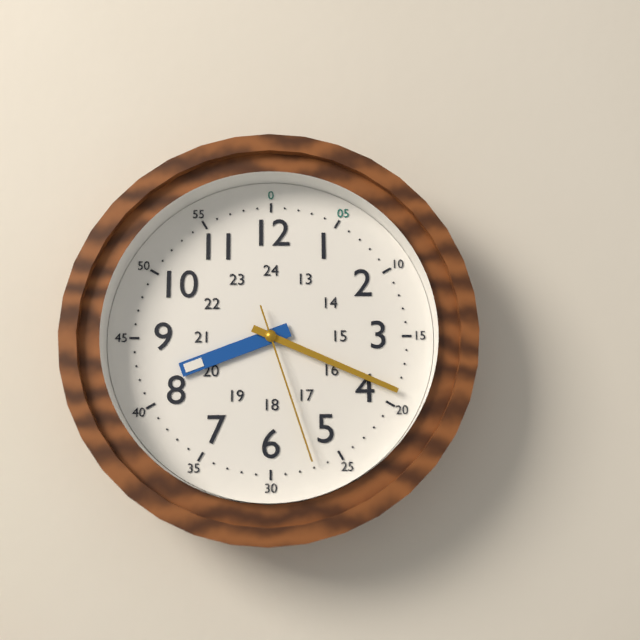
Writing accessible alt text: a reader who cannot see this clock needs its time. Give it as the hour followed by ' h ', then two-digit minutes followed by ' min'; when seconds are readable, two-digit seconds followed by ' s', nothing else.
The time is 8 h 19 min 27 s
